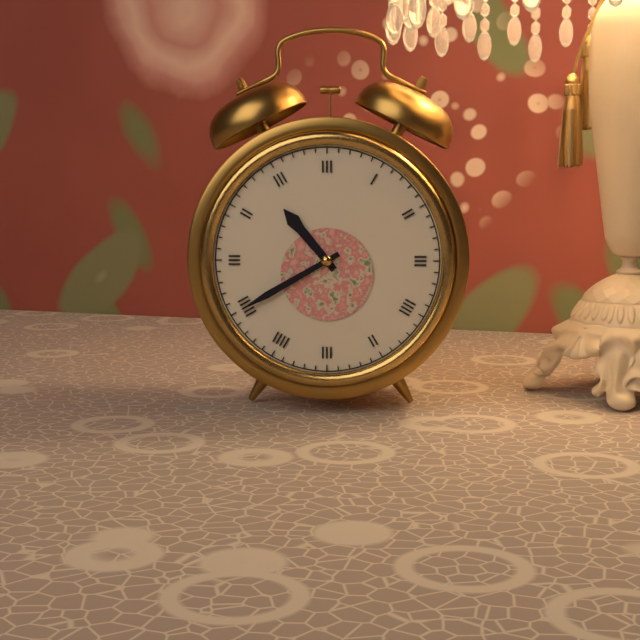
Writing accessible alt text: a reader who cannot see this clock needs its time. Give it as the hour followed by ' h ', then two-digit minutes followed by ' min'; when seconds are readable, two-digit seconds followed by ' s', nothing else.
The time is 10 h 40 min
